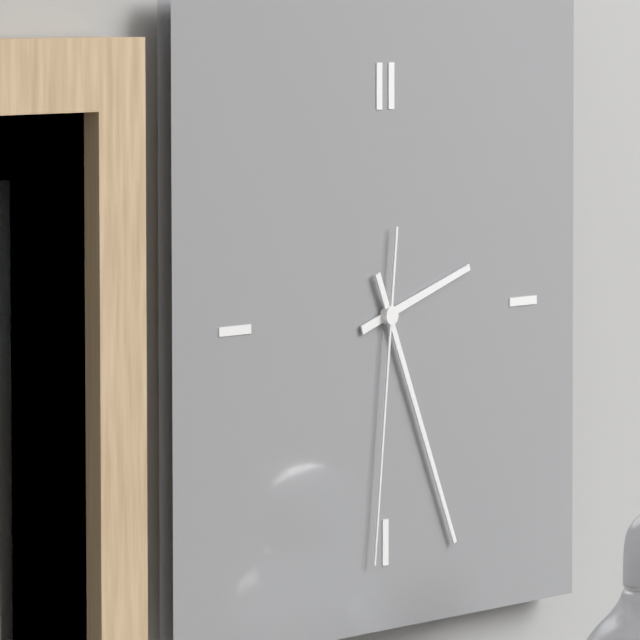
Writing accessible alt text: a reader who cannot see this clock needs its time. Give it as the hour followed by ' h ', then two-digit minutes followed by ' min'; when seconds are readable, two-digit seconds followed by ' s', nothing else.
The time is 2 h 26 min 31 s
